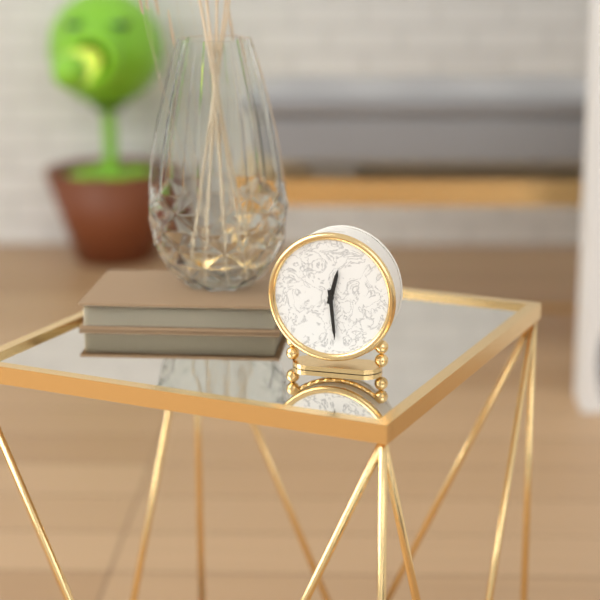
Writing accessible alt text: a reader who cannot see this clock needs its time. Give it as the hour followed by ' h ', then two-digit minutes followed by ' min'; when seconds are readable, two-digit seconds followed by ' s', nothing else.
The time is 12 h 29 min
